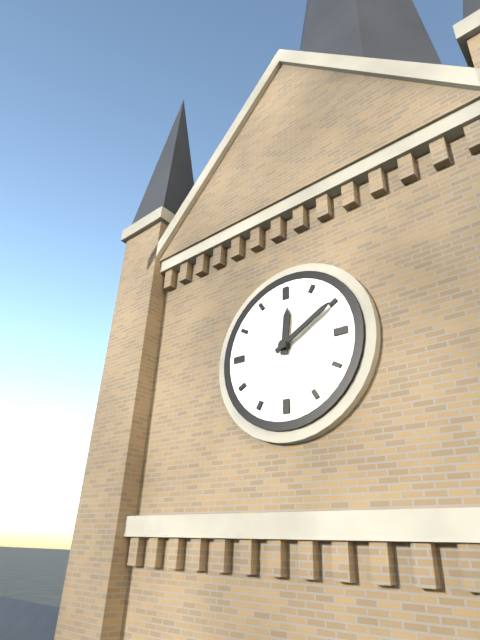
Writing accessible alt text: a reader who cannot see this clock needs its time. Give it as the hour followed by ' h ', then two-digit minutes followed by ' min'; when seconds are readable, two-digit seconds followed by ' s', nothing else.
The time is 12 h 10 min
